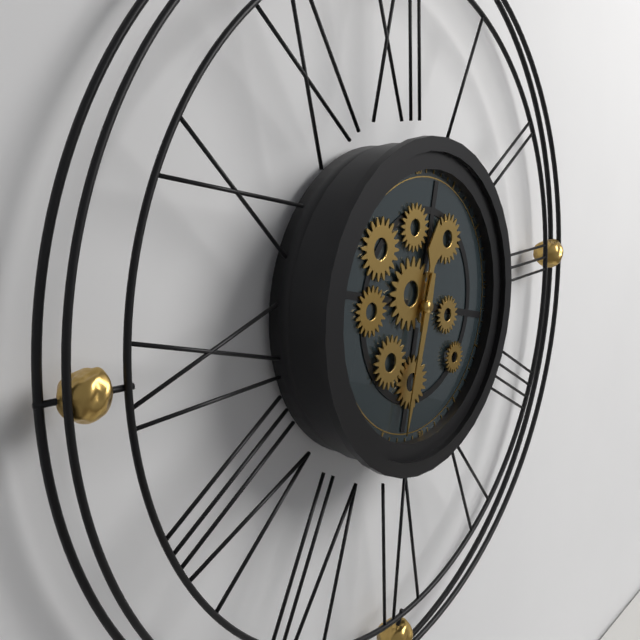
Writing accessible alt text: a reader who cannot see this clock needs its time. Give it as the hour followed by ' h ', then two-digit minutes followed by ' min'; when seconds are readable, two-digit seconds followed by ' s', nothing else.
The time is 12 h 33 min
